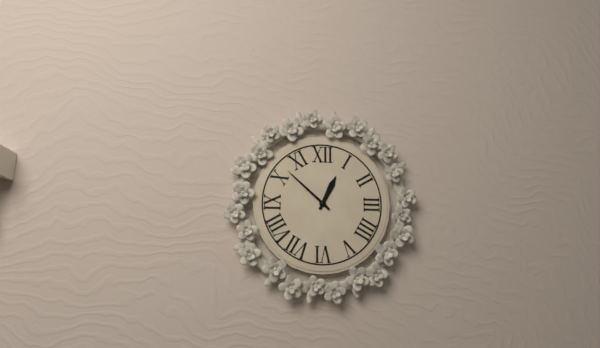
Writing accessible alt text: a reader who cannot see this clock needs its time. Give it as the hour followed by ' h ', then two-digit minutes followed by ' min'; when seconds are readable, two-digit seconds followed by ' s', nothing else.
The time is 12 h 52 min
